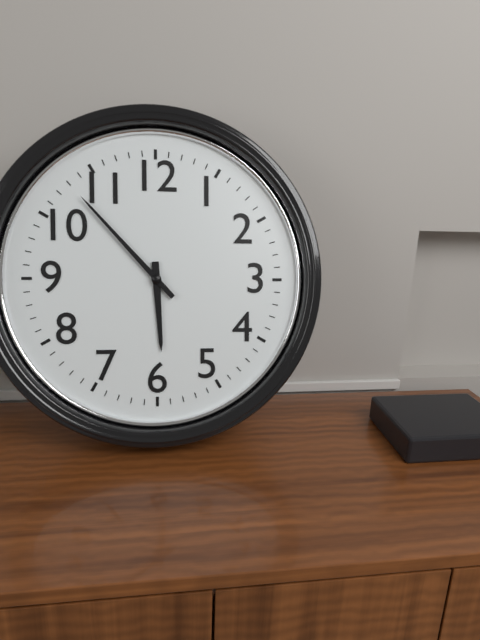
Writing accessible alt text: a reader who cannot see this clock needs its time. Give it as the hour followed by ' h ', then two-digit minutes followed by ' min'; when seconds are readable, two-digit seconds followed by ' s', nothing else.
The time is 5 h 53 min
